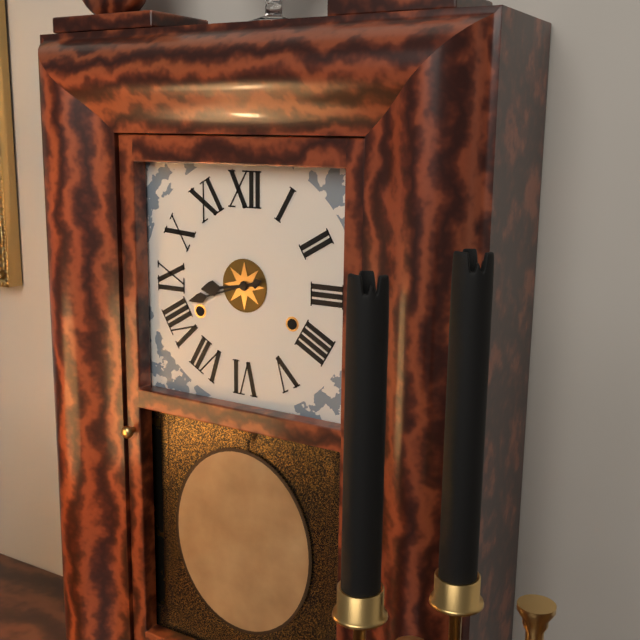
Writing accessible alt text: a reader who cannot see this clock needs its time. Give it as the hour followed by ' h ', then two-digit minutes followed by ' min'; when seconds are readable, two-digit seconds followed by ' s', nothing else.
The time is 8 h 42 min
